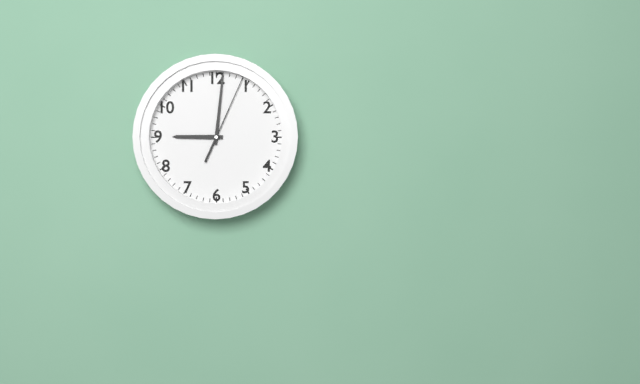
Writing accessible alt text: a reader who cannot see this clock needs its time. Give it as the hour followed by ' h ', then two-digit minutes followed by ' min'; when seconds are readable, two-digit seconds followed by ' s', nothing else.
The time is 9 h 01 min 04 s
